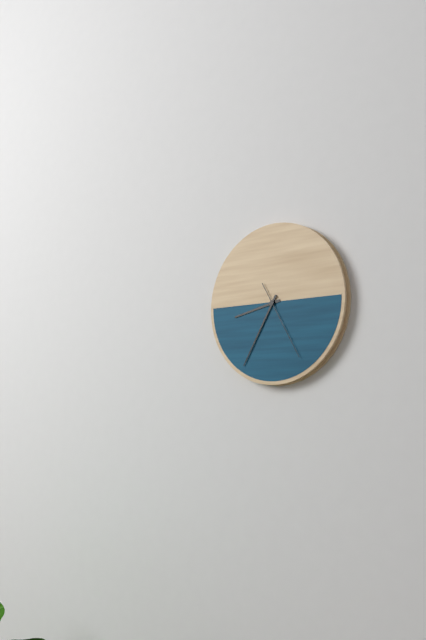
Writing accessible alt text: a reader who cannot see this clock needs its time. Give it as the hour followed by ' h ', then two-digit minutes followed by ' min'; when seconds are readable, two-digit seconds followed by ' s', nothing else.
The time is 8 h 35 min 25 s
